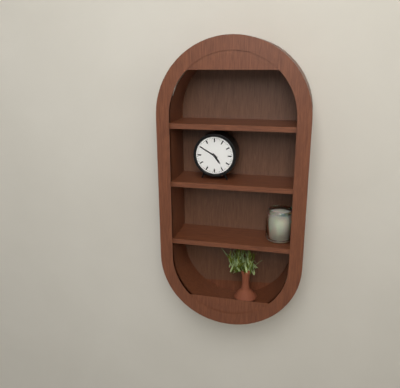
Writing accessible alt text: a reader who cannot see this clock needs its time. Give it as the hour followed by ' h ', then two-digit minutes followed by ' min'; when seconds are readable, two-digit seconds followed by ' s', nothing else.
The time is 4 h 50 min
